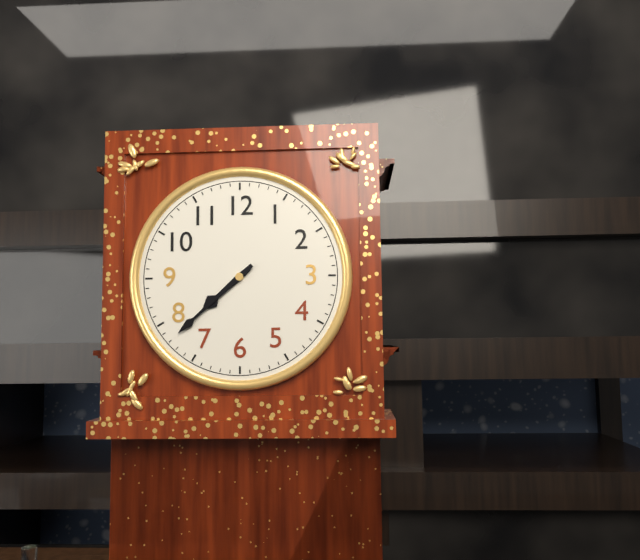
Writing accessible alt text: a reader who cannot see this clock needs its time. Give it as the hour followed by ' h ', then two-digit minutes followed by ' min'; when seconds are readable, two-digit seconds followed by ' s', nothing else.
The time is 7 h 38 min
